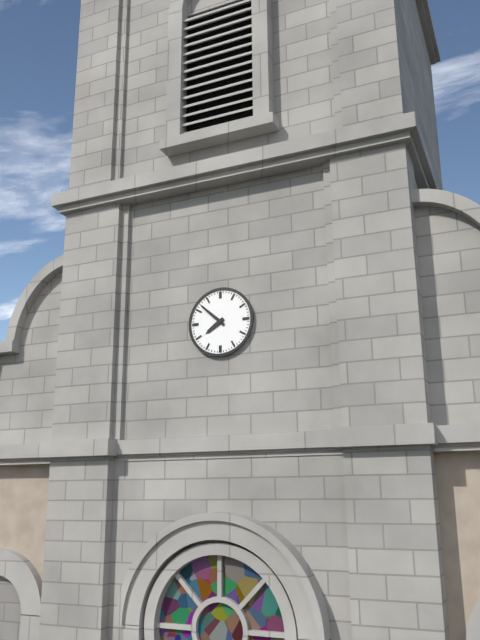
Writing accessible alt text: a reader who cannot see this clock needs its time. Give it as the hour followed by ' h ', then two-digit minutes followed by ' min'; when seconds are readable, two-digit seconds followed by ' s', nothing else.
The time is 7 h 52 min
